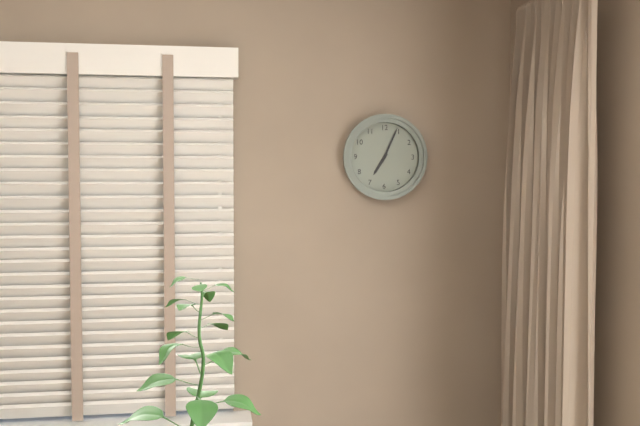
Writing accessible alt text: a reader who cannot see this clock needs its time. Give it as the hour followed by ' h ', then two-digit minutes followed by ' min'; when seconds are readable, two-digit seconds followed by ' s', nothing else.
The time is 7 h 04 min
